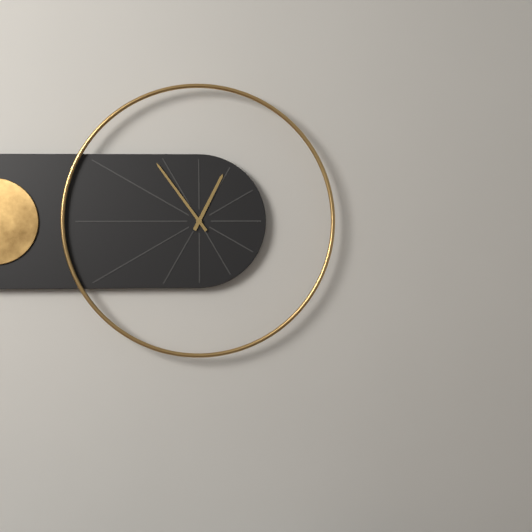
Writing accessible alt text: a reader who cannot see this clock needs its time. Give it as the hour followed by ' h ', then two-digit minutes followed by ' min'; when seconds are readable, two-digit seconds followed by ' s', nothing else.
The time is 12 h 54 min
